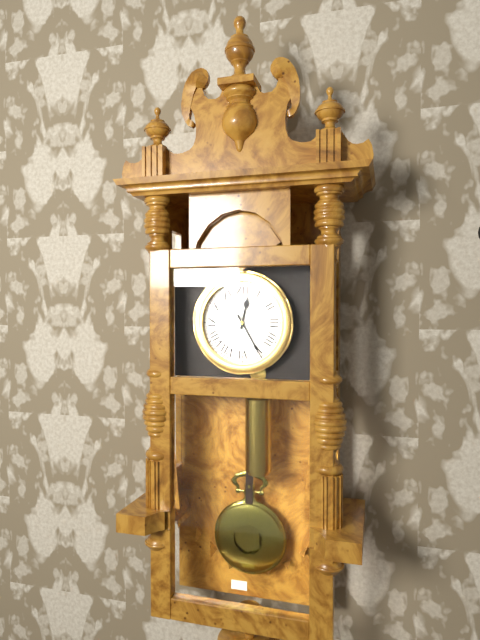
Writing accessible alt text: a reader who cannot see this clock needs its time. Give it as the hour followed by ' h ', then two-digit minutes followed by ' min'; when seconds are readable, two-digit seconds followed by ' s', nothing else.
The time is 12 h 25 min
